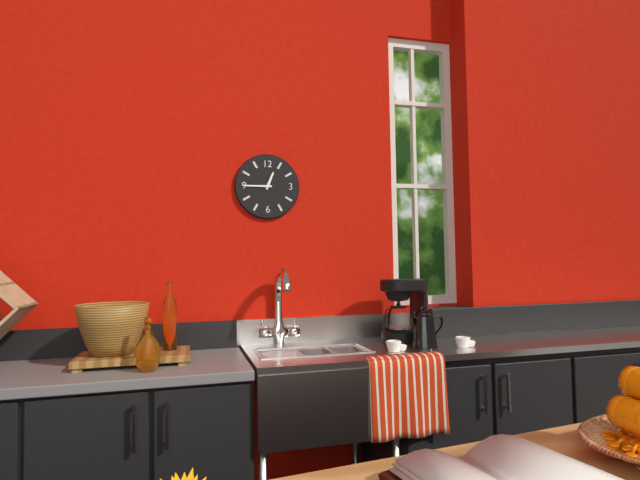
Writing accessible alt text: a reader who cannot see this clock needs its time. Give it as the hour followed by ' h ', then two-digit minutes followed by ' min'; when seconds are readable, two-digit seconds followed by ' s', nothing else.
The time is 12 h 45 min
